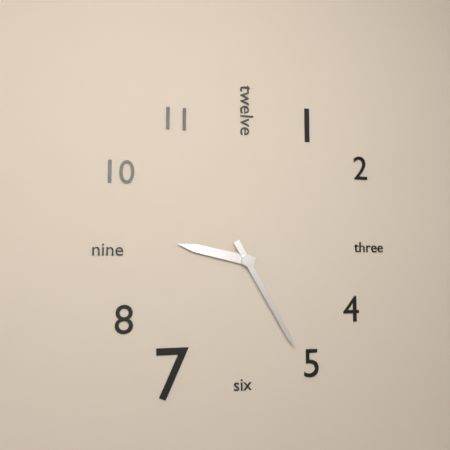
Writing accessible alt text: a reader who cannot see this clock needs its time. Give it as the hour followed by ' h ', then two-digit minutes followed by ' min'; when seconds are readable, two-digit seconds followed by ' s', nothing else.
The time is 9 h 25 min
